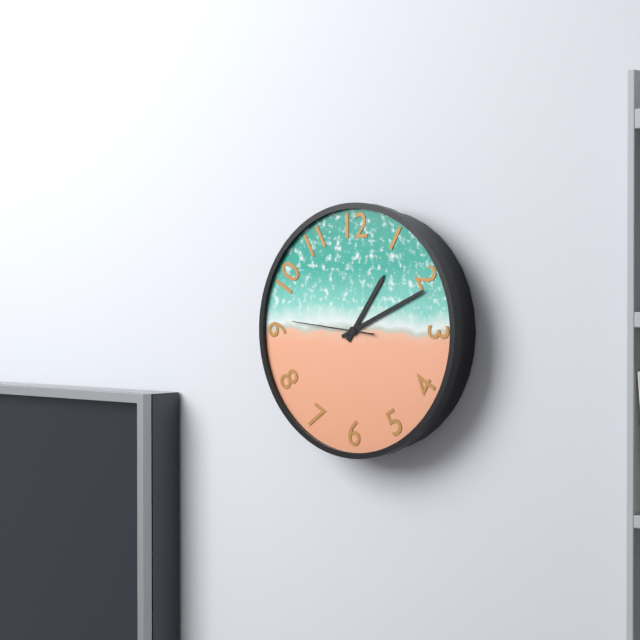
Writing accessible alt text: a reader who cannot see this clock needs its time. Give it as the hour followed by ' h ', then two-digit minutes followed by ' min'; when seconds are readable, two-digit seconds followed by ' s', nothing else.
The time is 1 h 11 min 46 s
